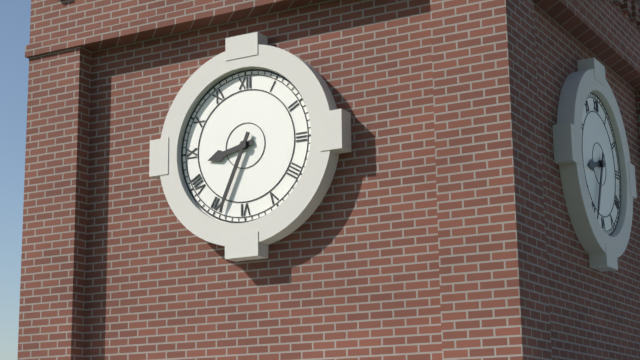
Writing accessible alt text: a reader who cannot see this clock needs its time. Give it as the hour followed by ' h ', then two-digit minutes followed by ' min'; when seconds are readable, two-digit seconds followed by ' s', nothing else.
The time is 8 h 34 min
